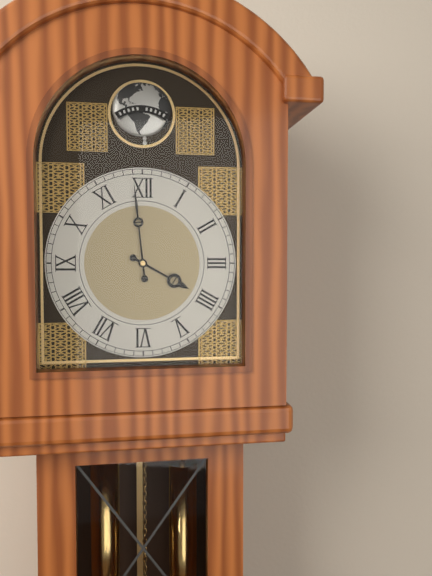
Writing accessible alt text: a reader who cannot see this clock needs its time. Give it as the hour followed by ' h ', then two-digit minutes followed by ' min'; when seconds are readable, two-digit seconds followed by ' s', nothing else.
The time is 3 h 59 min
